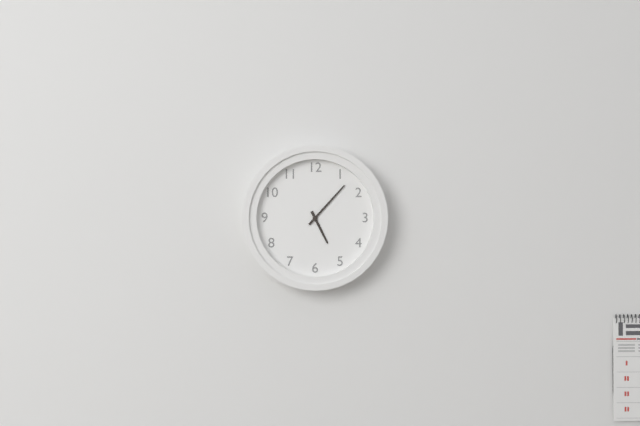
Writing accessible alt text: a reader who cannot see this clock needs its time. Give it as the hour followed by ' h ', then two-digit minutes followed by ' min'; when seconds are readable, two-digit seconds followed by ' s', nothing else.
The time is 5 h 07 min
